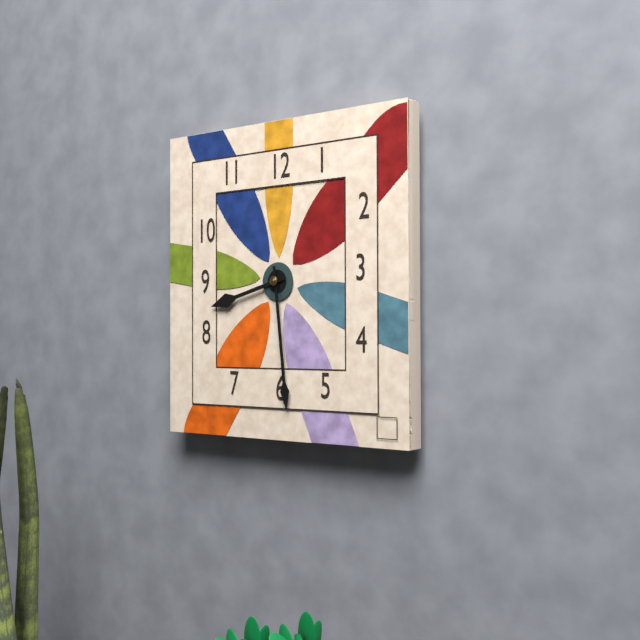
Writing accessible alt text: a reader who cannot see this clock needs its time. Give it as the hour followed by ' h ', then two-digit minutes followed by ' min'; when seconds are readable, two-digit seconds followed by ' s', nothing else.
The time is 8 h 29 min
